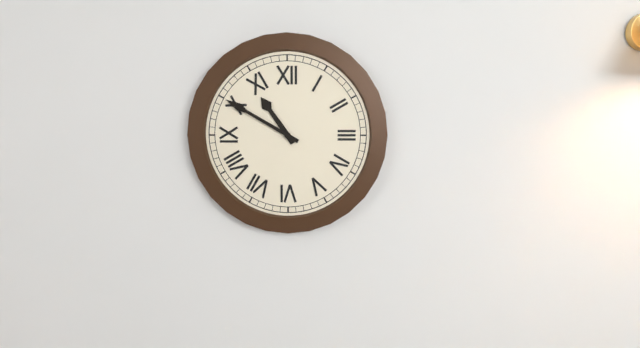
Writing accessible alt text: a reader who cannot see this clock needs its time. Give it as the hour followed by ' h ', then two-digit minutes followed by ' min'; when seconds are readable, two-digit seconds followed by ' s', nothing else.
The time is 10 h 50 min
